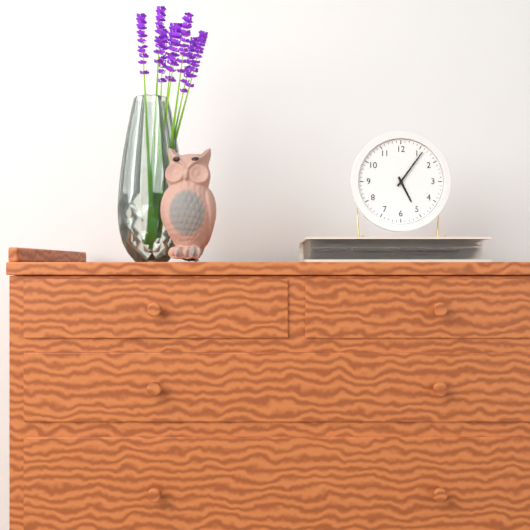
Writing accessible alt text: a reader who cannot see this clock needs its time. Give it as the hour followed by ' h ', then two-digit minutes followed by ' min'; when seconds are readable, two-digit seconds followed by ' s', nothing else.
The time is 5 h 06 min
